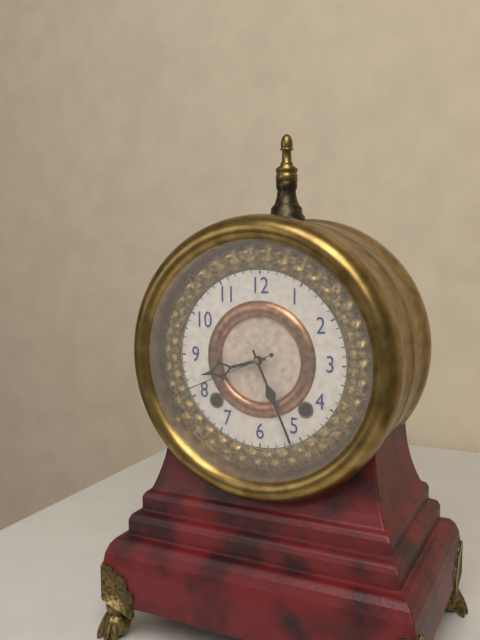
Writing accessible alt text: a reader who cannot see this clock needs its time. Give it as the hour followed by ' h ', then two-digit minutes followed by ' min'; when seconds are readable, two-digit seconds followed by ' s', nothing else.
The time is 8 h 26 min 41 s
